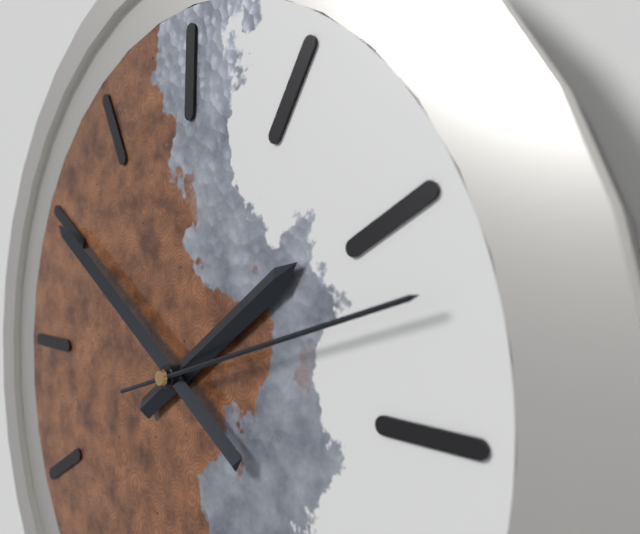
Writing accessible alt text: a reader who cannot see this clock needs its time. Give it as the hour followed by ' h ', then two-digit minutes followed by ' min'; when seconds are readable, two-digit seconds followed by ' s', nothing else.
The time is 1 h 50 min 12 s
